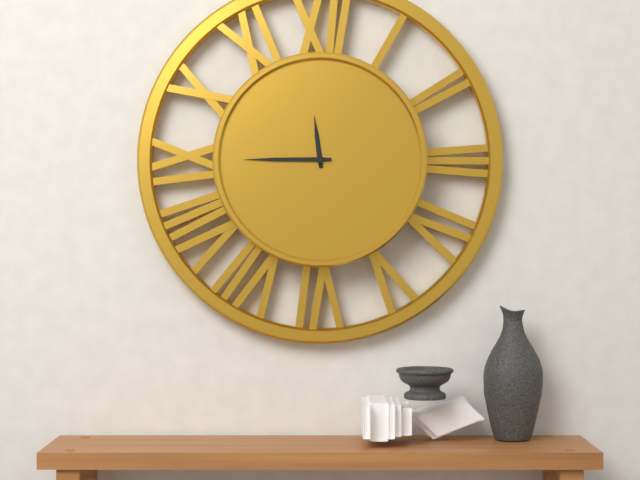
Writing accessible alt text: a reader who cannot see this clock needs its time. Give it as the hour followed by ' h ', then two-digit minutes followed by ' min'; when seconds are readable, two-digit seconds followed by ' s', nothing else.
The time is 11 h 45 min
